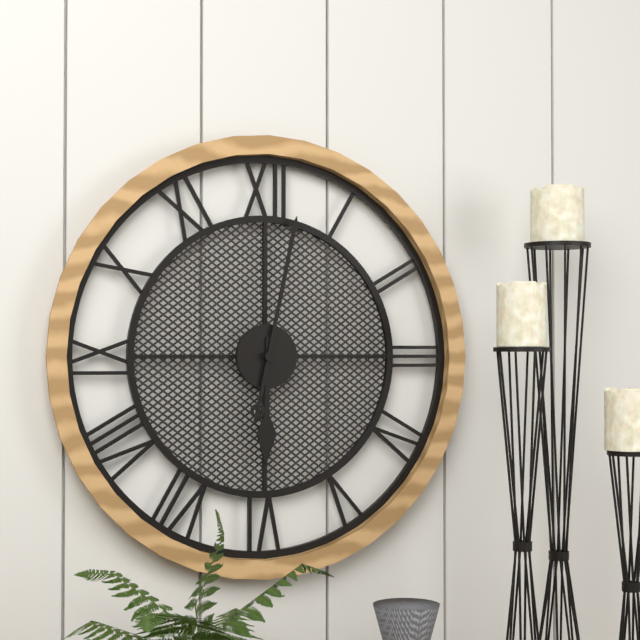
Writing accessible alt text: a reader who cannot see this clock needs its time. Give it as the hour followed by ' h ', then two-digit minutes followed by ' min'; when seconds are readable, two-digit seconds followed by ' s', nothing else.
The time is 6 h 02 min
